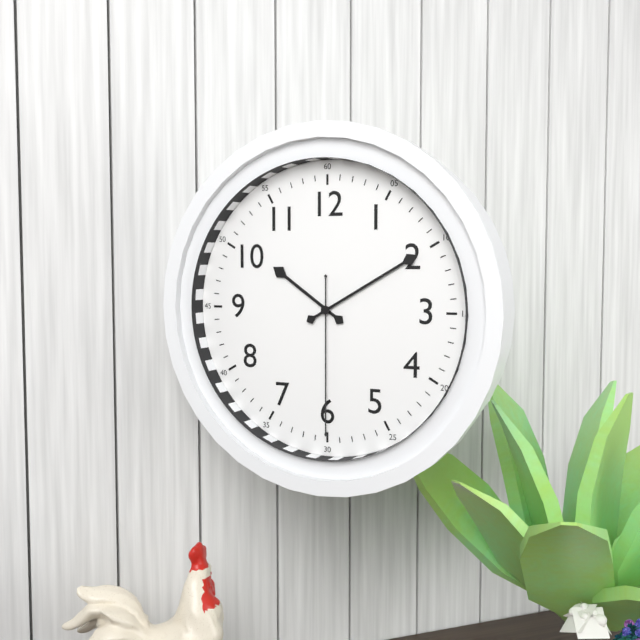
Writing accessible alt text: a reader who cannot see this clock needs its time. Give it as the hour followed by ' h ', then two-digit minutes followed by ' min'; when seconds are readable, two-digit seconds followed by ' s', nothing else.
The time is 10 h 10 min 30 s
